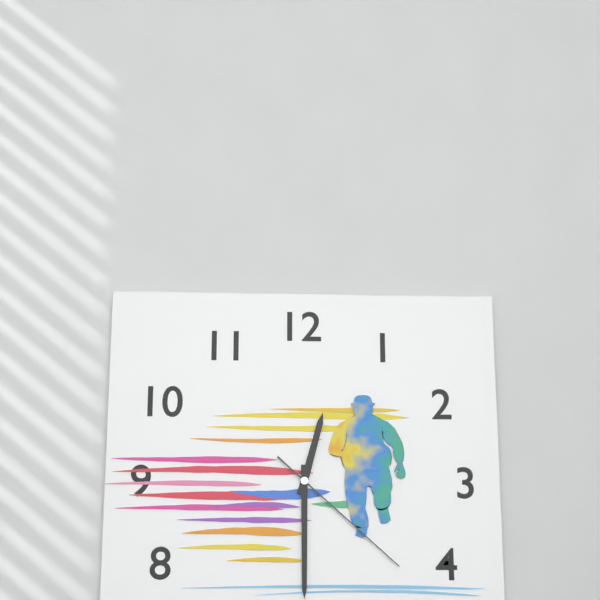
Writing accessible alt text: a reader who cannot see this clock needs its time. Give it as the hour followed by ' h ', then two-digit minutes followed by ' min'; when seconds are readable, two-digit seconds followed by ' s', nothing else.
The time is 12 h 30 min 22 s
